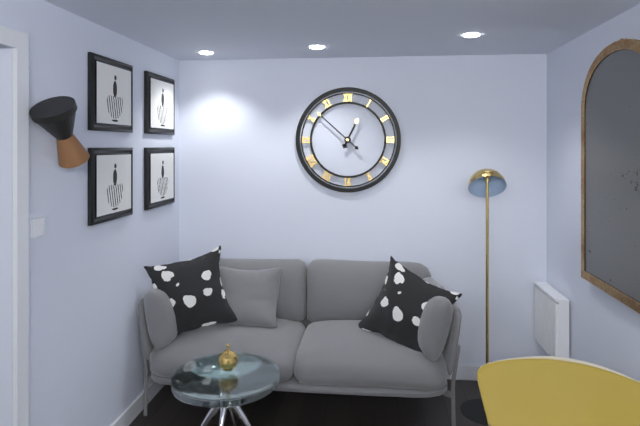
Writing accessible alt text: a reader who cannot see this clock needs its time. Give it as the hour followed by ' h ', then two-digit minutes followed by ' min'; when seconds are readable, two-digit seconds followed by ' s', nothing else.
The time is 12 h 52 min
